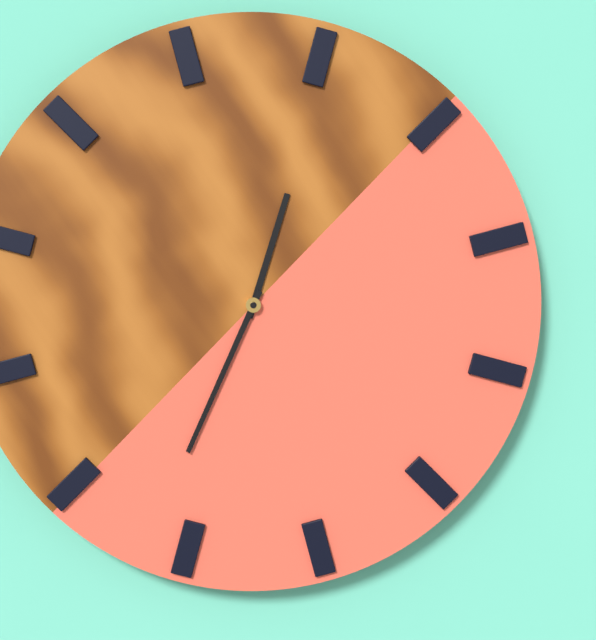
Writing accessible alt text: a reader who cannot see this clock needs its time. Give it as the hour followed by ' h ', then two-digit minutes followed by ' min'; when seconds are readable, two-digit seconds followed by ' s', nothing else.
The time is 12 h 34 min
